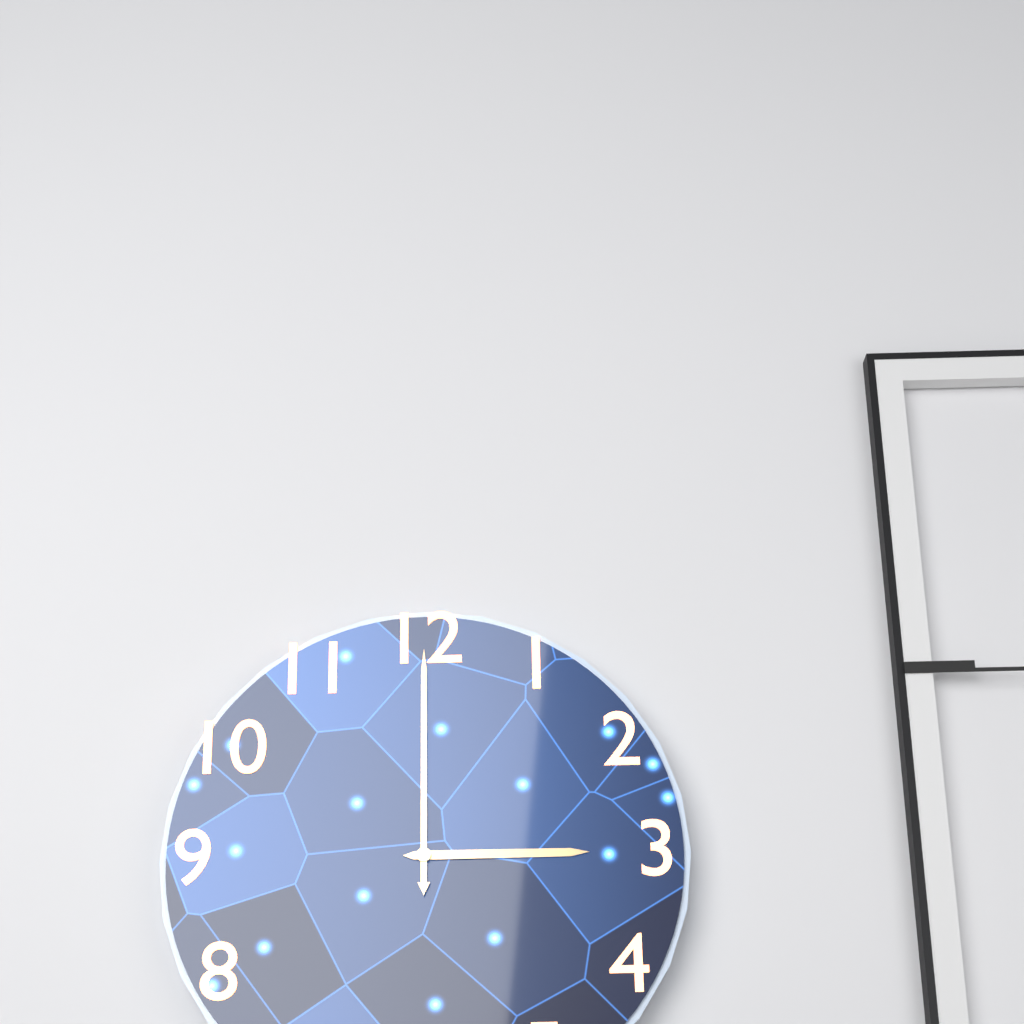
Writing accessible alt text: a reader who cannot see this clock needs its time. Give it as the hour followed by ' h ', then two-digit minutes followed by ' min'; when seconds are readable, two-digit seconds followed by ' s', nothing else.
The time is 3 h 00 min
